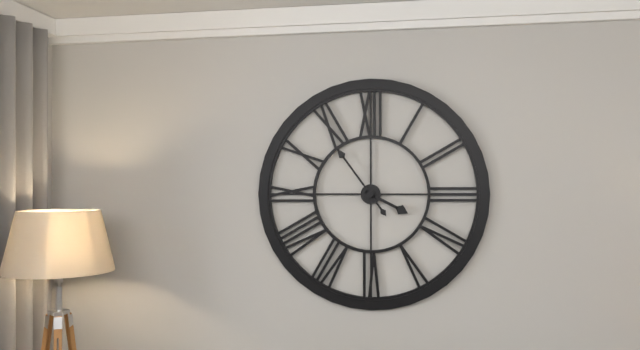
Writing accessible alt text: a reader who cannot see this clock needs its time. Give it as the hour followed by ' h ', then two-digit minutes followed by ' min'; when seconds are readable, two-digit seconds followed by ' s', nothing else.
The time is 3 h 54 min
